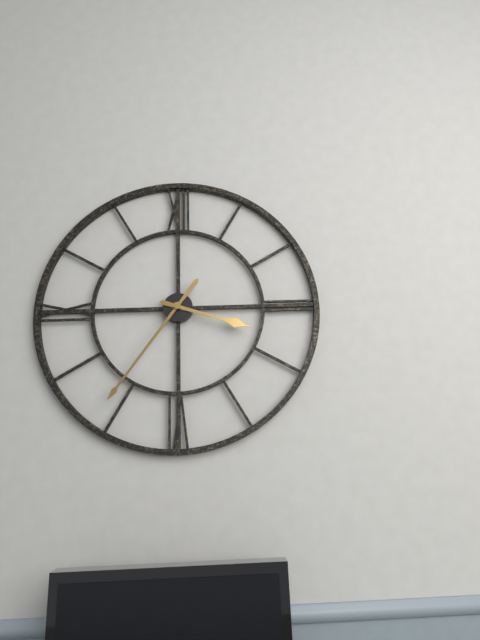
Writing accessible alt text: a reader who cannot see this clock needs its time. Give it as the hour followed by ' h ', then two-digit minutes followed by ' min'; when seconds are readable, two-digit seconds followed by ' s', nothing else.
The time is 3 h 36 min
